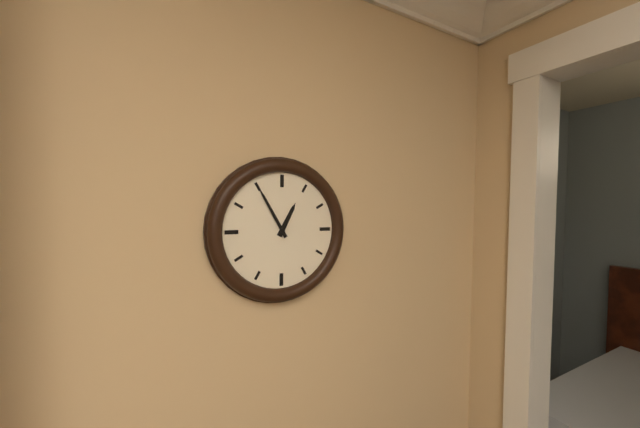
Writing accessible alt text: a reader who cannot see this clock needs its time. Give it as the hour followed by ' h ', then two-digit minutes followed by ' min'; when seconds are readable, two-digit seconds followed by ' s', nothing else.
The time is 12 h 55 min
